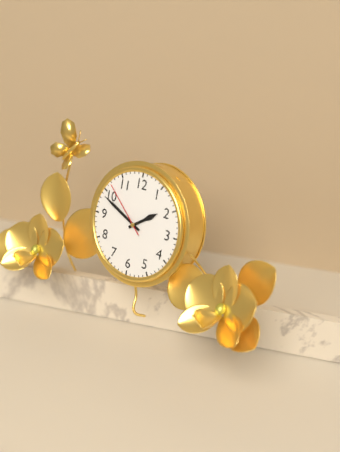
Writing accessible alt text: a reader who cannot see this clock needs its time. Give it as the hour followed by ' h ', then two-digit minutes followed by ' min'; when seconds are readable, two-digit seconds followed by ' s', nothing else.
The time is 1 h 49 min 52 s
